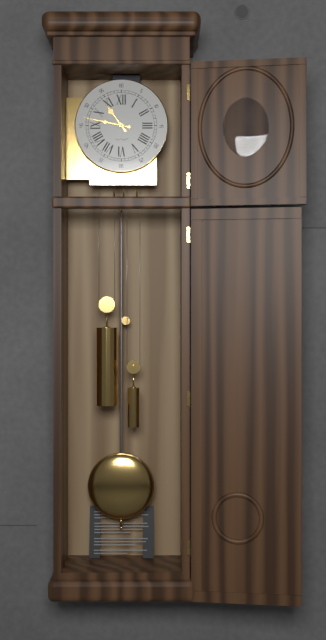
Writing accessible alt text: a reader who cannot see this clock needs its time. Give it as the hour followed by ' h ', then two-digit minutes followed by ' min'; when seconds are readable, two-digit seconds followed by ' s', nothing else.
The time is 10 h 47 min
